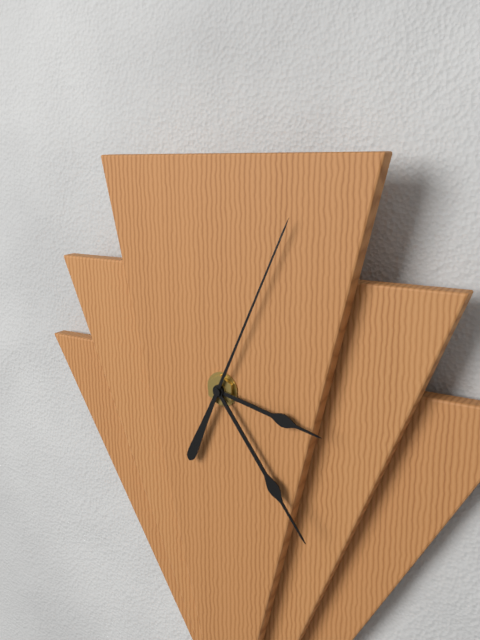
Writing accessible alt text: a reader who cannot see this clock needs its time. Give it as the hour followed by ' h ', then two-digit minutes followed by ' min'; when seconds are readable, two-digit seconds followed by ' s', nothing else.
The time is 3 h 24 min 04 s
